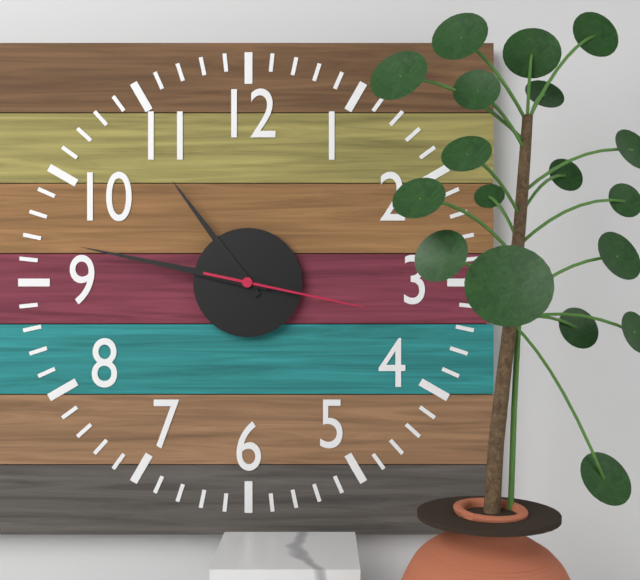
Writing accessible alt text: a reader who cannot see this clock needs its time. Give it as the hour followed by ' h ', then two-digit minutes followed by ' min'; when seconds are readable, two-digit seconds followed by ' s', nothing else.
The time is 10 h 47 min 17 s
